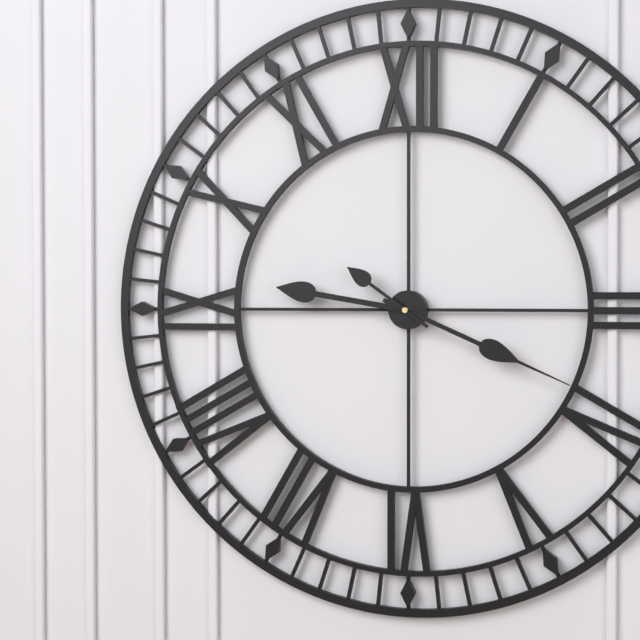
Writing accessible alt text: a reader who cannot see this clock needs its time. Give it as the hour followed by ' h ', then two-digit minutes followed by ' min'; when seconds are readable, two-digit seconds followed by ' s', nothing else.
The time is 9 h 19 min 51 s
